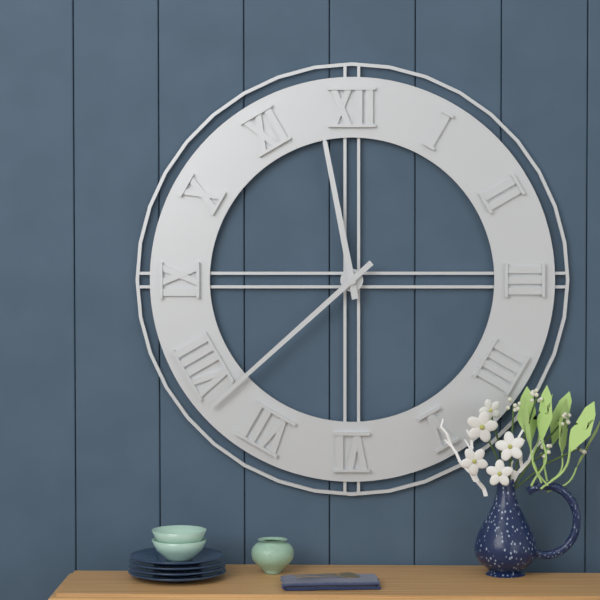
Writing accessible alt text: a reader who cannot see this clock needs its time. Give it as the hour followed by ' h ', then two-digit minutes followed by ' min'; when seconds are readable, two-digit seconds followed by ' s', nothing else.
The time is 11 h 38 min
